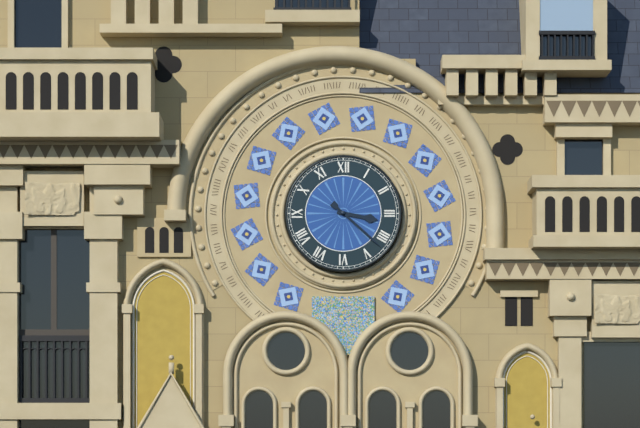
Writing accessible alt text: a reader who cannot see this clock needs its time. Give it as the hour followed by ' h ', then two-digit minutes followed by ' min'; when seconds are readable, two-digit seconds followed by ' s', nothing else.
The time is 3 h 22 min
